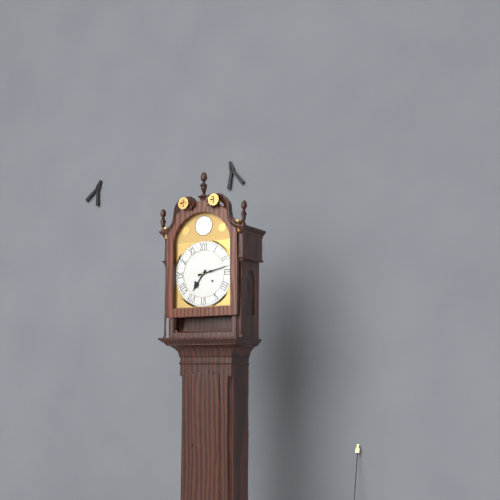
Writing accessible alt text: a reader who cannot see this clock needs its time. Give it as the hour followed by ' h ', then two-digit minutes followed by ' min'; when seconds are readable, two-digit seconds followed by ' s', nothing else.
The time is 7 h 13 min
